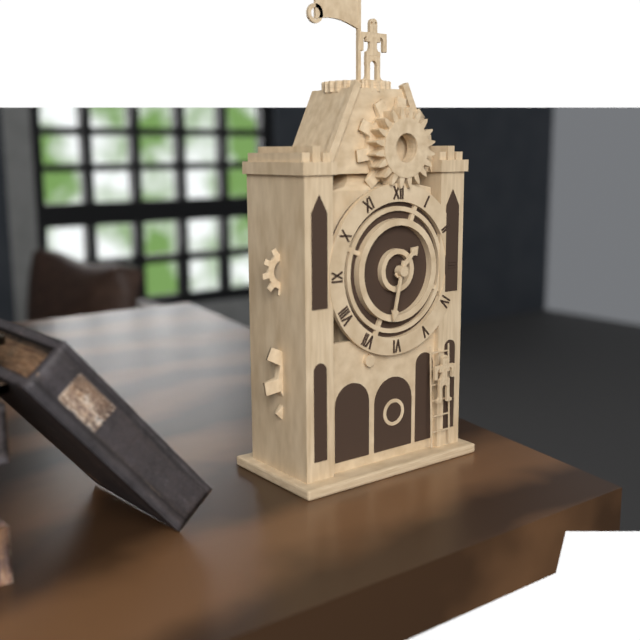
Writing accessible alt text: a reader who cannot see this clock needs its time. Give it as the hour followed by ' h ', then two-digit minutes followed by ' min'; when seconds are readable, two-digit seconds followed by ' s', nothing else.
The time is 1 h 32 min
